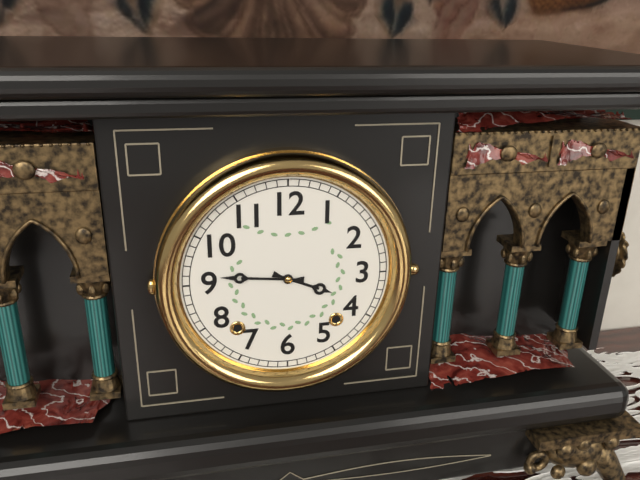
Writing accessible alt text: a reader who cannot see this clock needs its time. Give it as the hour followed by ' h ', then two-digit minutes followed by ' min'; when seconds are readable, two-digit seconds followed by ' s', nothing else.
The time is 3 h 46 min
